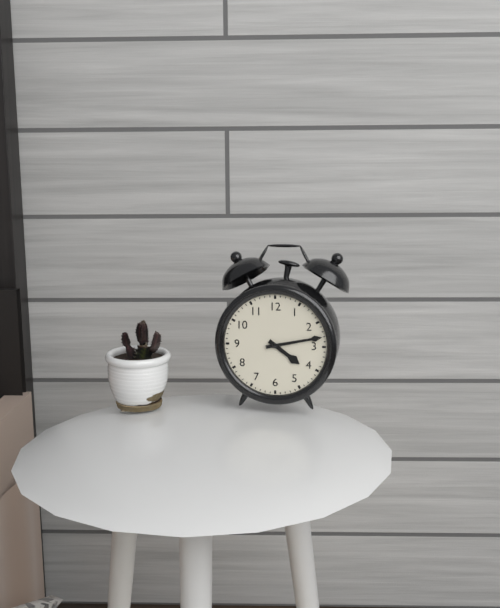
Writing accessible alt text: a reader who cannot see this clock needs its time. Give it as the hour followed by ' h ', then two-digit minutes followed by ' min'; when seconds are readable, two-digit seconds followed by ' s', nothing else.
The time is 4 h 13 min
